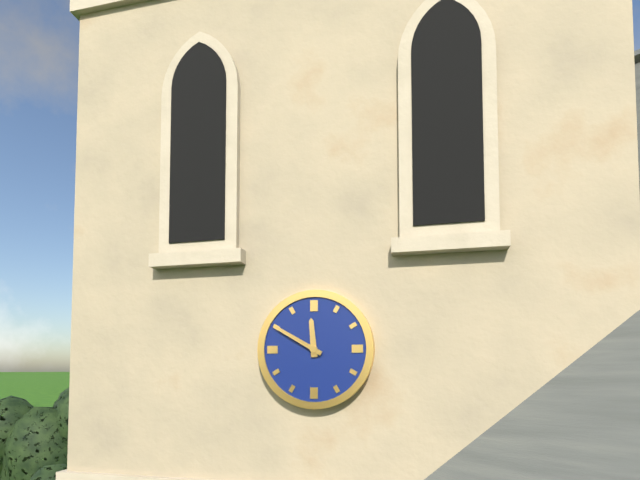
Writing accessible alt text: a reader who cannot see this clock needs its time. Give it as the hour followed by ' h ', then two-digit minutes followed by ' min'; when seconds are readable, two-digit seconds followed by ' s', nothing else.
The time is 11 h 50 min
